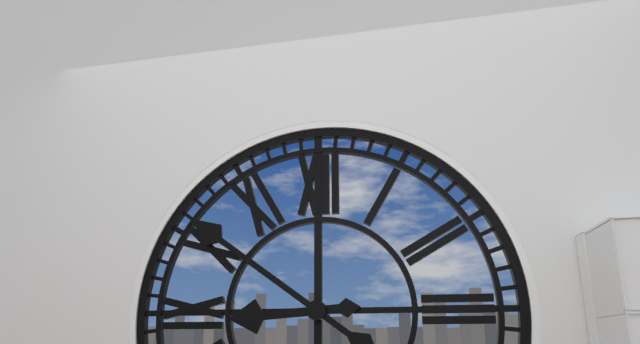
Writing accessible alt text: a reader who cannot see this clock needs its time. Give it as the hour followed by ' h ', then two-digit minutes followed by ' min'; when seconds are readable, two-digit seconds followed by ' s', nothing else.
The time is 8 h 51 min
